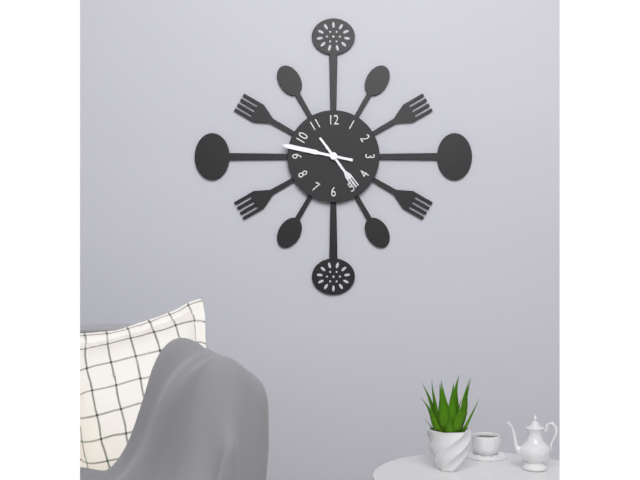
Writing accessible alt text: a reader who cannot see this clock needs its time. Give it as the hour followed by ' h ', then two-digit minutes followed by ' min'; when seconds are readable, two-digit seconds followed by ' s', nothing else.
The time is 4 h 47 min
